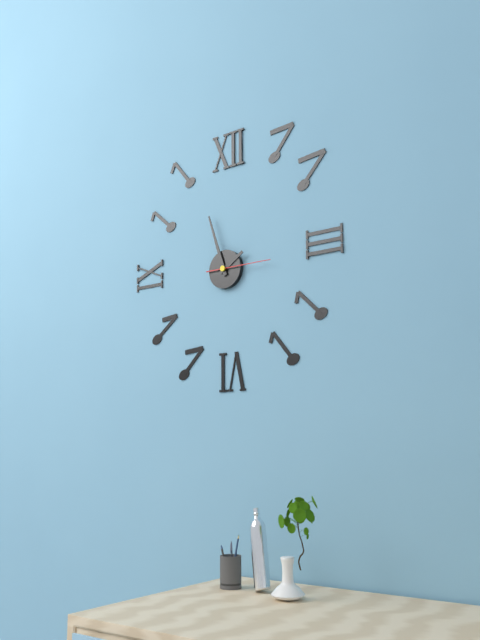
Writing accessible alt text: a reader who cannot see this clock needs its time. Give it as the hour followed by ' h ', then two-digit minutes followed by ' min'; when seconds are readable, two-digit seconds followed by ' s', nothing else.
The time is 1 h 57 min 15 s
